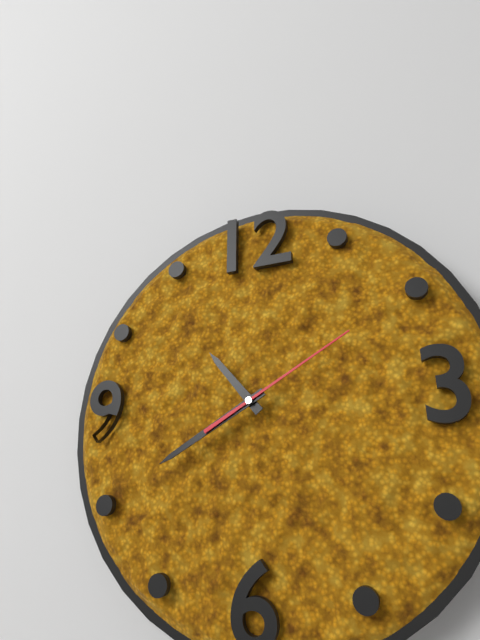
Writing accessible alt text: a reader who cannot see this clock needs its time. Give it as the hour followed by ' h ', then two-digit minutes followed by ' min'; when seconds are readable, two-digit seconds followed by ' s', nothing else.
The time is 10 h 40 min 10 s
